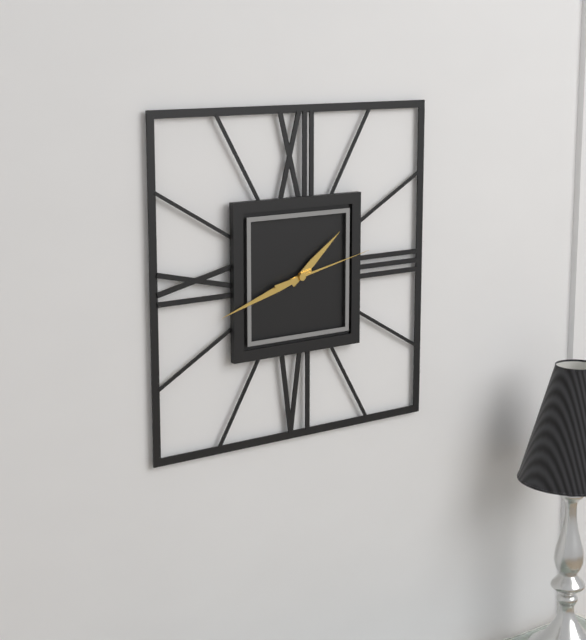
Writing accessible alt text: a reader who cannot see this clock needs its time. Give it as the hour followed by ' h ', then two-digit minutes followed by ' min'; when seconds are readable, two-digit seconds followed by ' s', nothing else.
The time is 1 h 42 min 13 s
